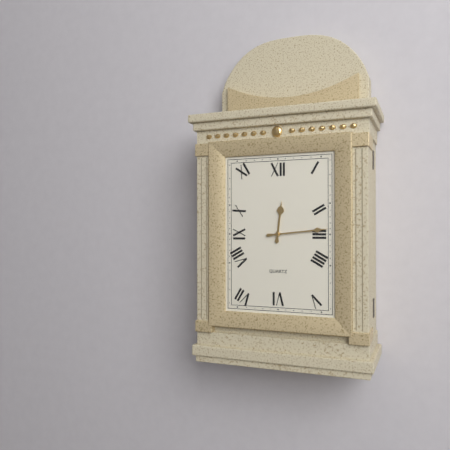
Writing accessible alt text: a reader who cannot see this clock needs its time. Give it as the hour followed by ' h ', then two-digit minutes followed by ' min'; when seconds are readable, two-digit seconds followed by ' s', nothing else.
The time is 12 h 14 min
